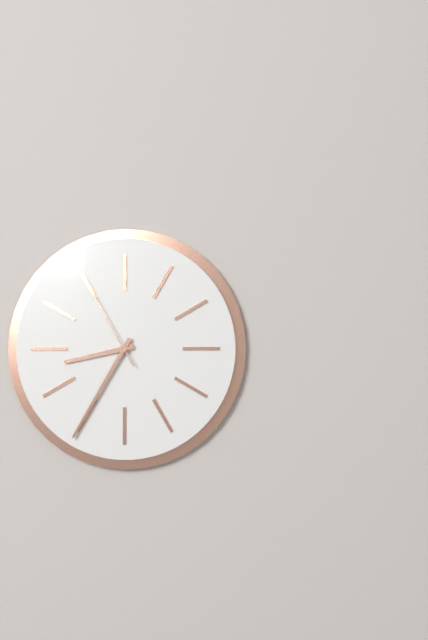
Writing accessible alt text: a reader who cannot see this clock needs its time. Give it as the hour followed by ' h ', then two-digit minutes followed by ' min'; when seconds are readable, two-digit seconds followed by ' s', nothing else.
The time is 8 h 35 min 55 s
